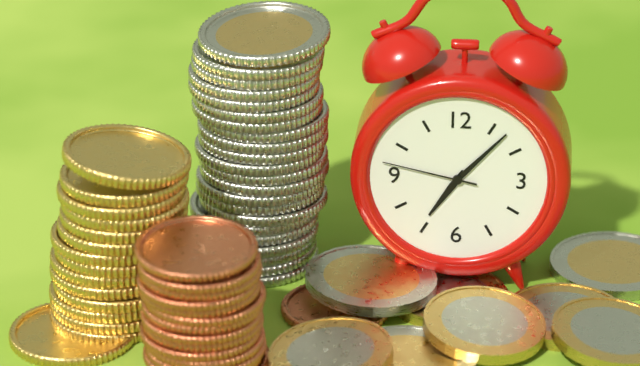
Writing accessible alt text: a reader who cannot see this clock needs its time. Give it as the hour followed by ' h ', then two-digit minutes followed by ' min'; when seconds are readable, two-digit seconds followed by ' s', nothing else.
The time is 7 h 07 min 47 s
